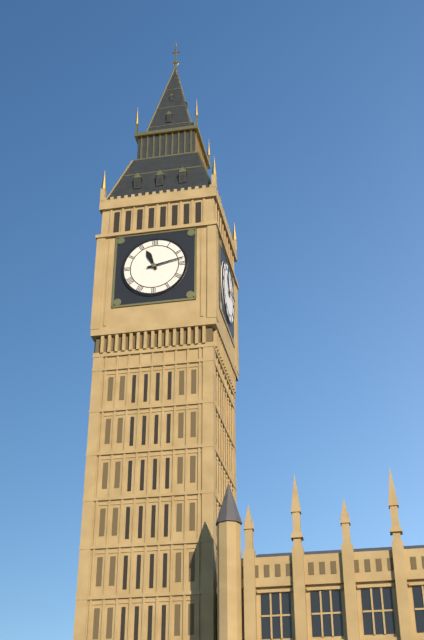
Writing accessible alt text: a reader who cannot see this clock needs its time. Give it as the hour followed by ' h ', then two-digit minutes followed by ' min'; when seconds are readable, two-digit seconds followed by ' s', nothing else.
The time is 11 h 13 min
